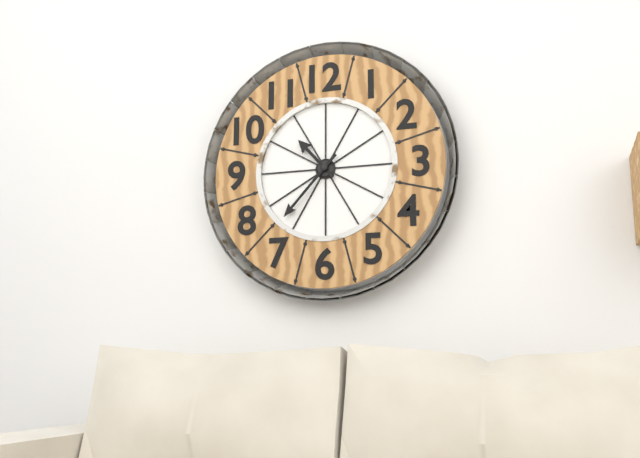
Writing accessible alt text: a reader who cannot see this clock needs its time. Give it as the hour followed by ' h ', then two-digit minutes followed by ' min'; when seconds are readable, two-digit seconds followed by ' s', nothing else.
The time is 10 h 37 min
